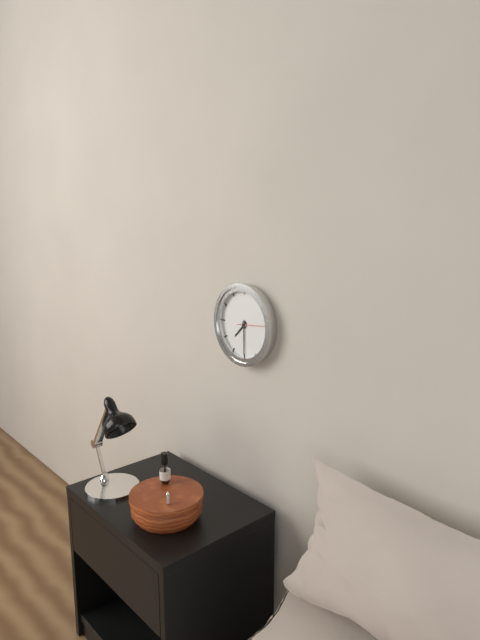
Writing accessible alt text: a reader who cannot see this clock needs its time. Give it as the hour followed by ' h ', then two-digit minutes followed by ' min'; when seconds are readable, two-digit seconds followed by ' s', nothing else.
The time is 7 h 30 min
